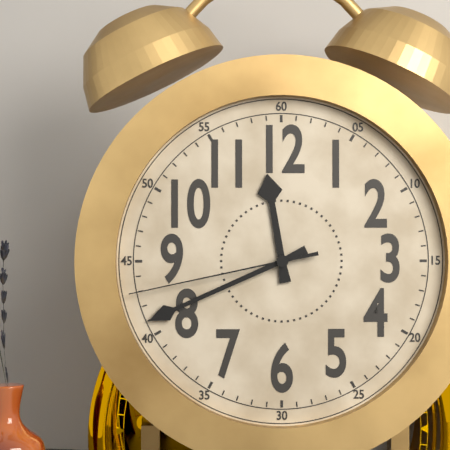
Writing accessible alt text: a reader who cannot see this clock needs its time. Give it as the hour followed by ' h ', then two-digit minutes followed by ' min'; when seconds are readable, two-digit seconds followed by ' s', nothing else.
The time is 11 h 41 min 43 s
